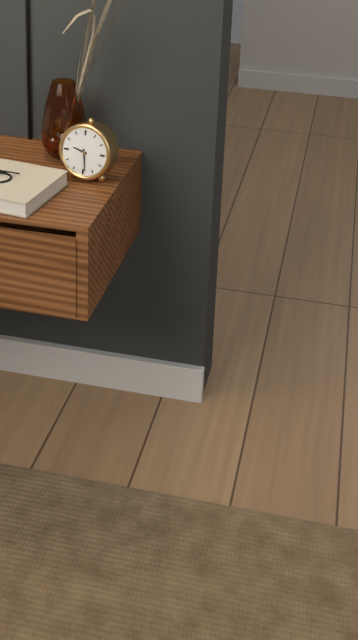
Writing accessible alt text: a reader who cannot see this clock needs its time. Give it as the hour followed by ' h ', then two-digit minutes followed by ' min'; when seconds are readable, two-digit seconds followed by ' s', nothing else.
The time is 9 h 29 min
